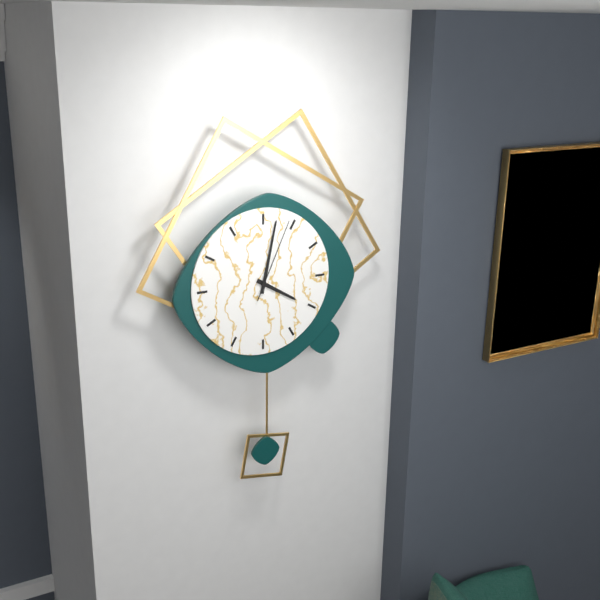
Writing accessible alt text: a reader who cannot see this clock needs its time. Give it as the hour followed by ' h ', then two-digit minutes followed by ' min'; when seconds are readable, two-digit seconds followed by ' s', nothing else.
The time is 4 h 02 min 04 s
